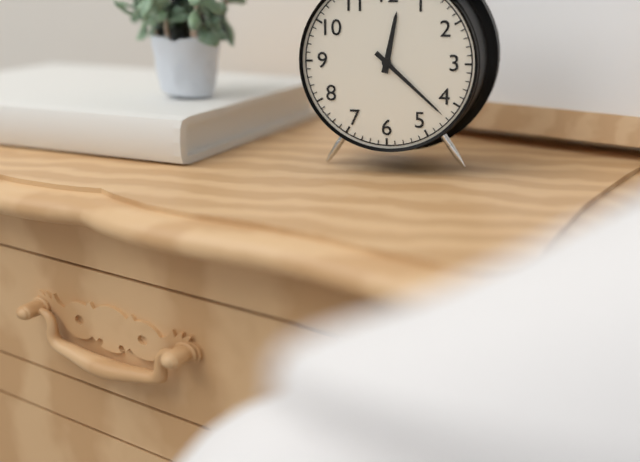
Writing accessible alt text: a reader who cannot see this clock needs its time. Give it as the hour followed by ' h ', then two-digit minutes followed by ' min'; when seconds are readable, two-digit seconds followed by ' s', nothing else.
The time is 12 h 22 min
